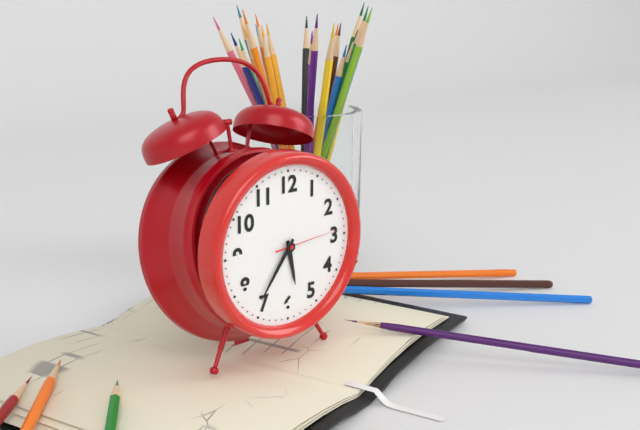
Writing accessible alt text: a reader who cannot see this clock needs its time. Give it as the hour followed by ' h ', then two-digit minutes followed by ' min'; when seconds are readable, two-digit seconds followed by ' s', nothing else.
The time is 5 h 36 min 14 s
